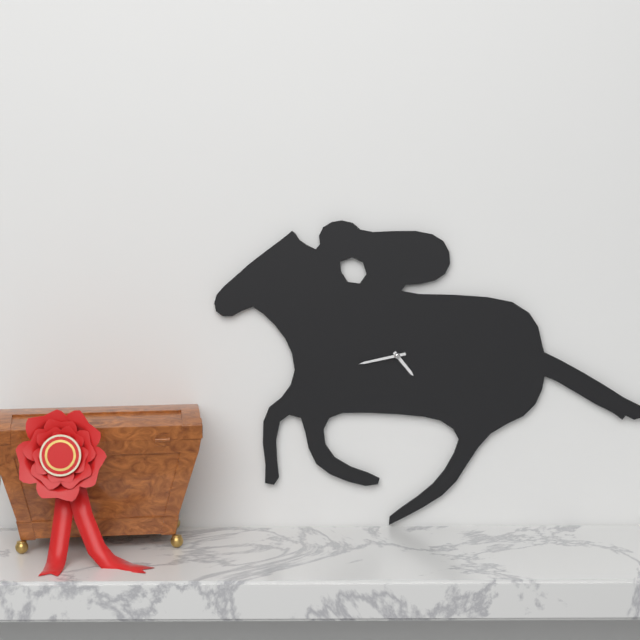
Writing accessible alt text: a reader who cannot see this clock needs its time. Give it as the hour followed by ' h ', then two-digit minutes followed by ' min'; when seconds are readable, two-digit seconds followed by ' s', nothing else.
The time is 4 h 43 min
